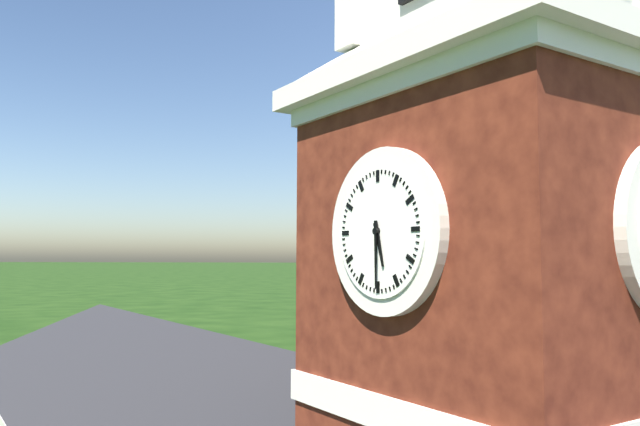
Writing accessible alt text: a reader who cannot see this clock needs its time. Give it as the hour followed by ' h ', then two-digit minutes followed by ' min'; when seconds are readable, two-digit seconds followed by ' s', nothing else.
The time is 5 h 30 min
